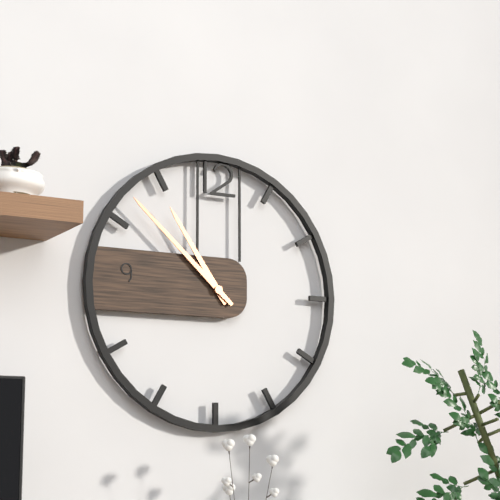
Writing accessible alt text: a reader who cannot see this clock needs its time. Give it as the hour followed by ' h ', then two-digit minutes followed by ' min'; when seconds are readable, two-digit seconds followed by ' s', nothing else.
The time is 10 h 52 min
